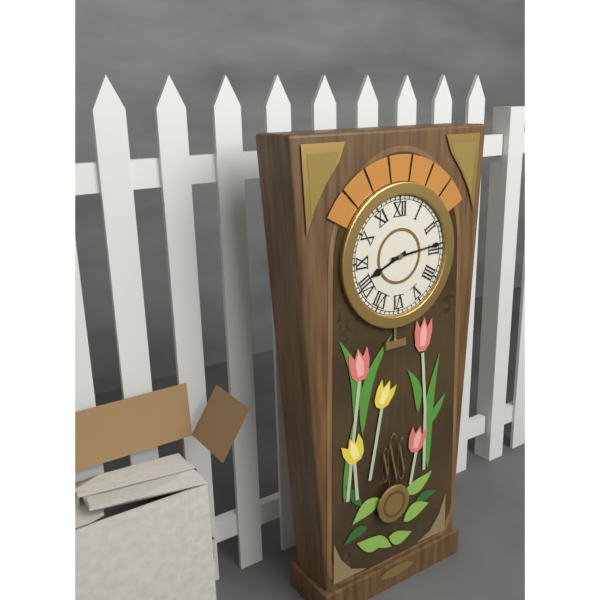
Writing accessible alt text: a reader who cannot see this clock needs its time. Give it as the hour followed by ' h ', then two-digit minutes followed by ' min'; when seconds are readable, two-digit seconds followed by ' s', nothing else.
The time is 8 h 14 min
